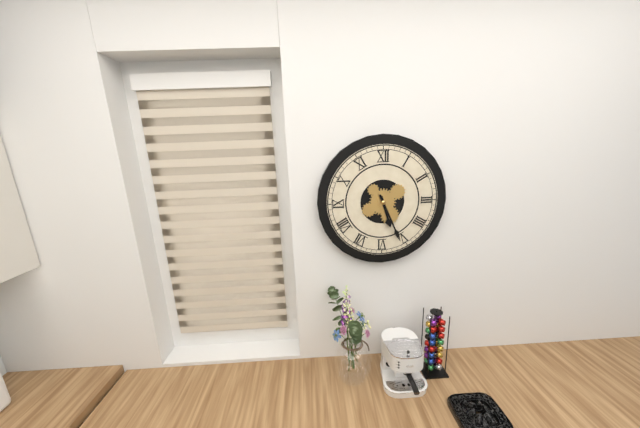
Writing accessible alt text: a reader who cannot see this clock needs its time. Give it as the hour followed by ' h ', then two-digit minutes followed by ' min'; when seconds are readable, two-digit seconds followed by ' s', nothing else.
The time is 5 h 26 min
